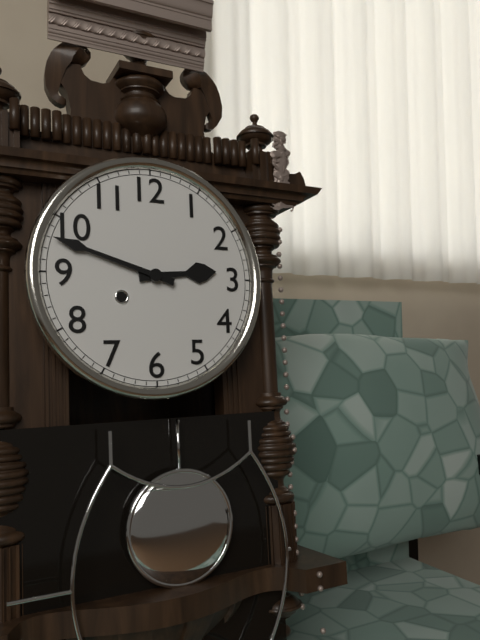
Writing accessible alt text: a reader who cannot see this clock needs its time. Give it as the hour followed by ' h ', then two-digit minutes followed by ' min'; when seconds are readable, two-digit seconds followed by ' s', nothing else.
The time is 2 h 48 min
